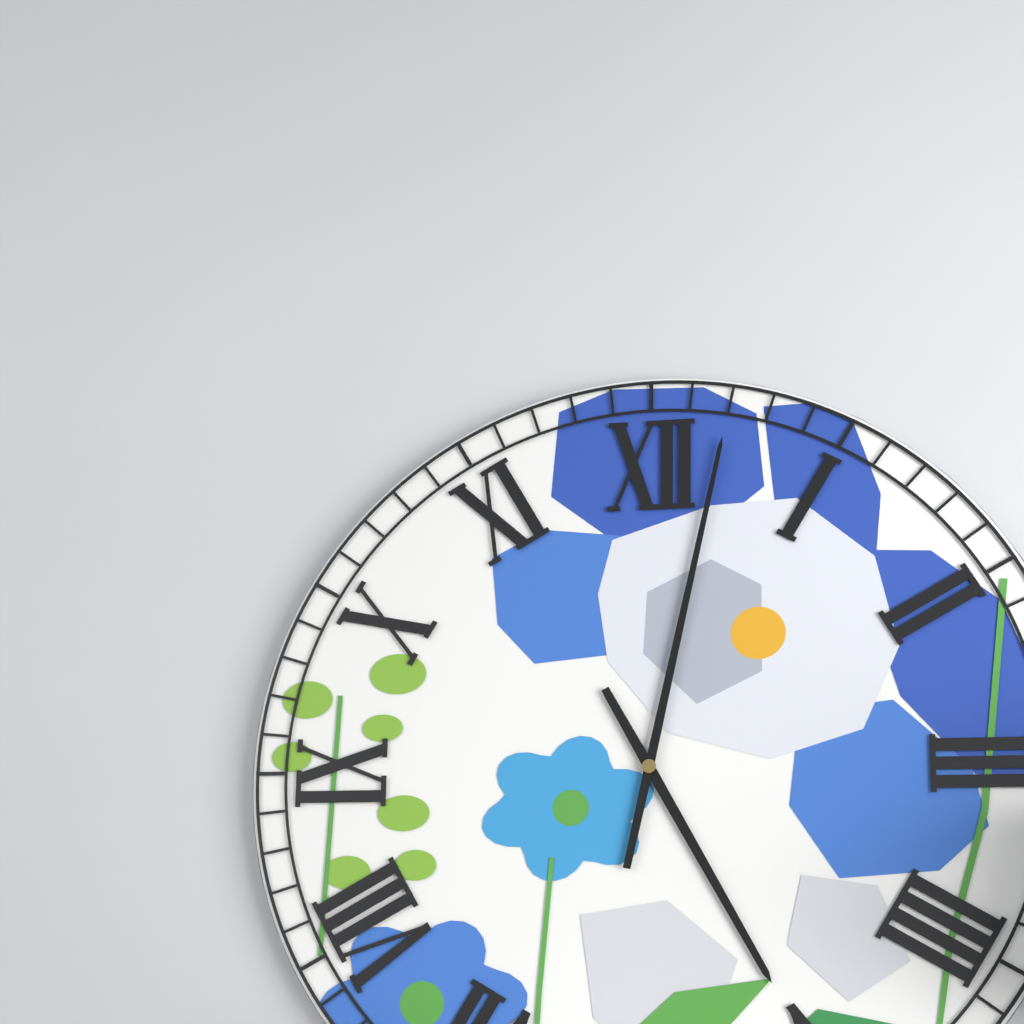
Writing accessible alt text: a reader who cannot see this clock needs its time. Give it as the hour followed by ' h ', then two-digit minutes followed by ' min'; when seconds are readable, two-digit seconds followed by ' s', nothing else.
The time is 5 h 02 min
